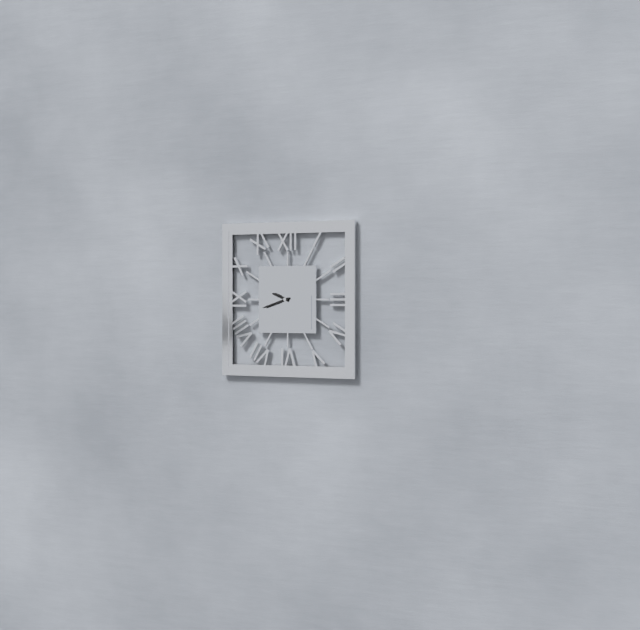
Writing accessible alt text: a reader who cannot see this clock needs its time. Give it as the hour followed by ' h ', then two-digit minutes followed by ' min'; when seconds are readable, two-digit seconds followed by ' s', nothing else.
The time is 9 h 42 min
